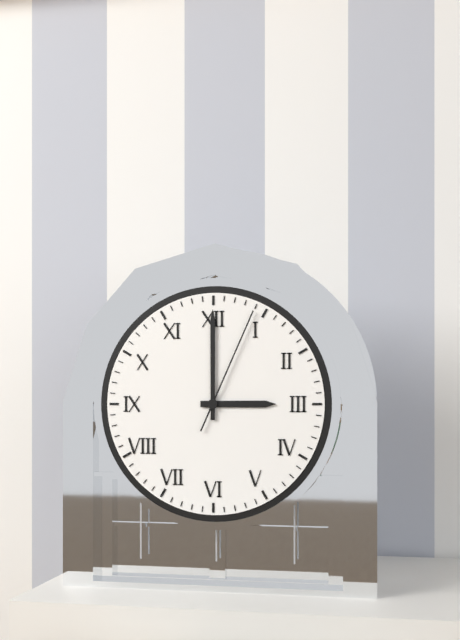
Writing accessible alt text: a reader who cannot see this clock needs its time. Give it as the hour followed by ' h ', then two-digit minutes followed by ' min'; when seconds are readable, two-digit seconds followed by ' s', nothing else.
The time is 3 h 00 min 04 s
